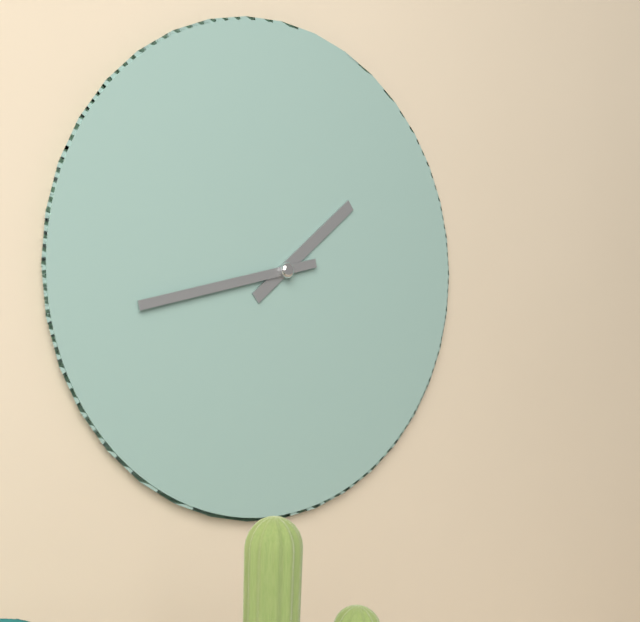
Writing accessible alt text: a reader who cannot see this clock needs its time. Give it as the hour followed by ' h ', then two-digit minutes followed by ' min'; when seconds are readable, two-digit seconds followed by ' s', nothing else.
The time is 1 h 43 min
